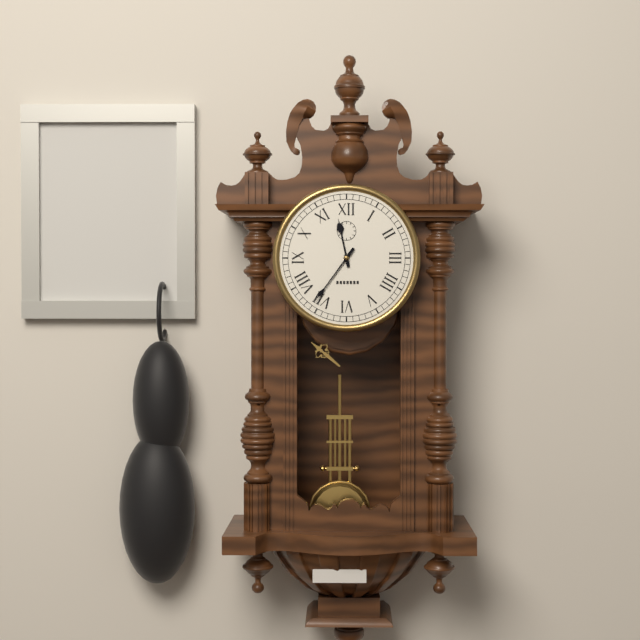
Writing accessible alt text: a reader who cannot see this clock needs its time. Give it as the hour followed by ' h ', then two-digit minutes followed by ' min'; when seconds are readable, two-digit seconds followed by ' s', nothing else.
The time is 11 h 36 min
